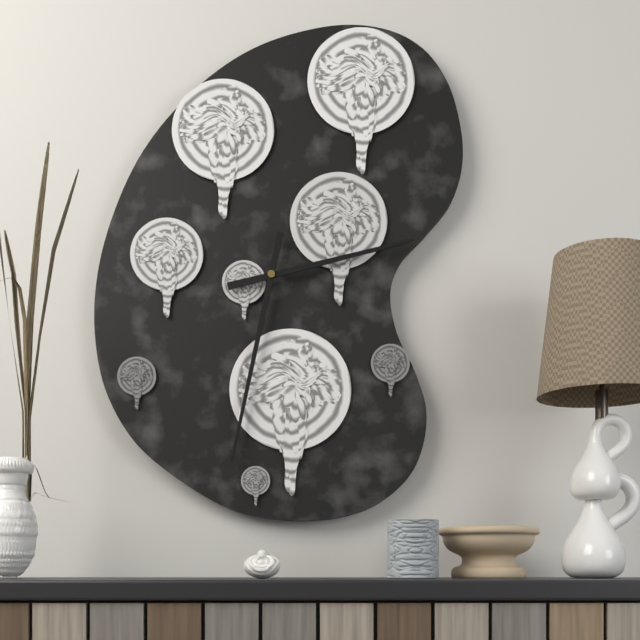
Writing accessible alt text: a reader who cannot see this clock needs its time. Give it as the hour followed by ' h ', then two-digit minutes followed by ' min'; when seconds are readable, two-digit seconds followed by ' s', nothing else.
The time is 2 h 32 min
